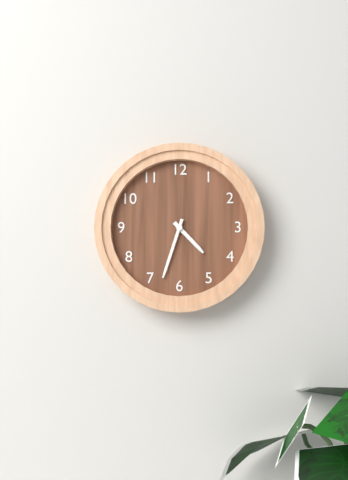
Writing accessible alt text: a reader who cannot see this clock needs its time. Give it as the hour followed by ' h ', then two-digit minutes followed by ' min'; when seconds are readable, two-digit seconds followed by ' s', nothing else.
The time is 4 h 33 min
